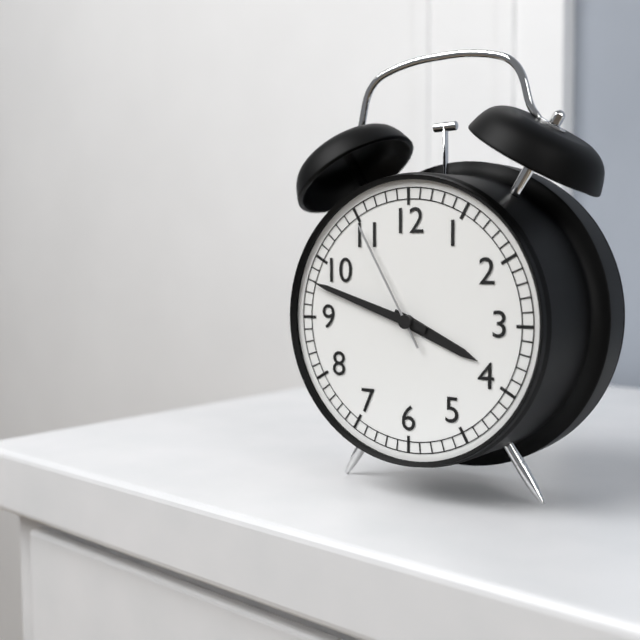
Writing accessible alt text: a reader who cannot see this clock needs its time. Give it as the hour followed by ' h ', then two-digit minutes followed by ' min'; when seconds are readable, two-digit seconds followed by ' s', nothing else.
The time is 3 h 48 min 55 s
